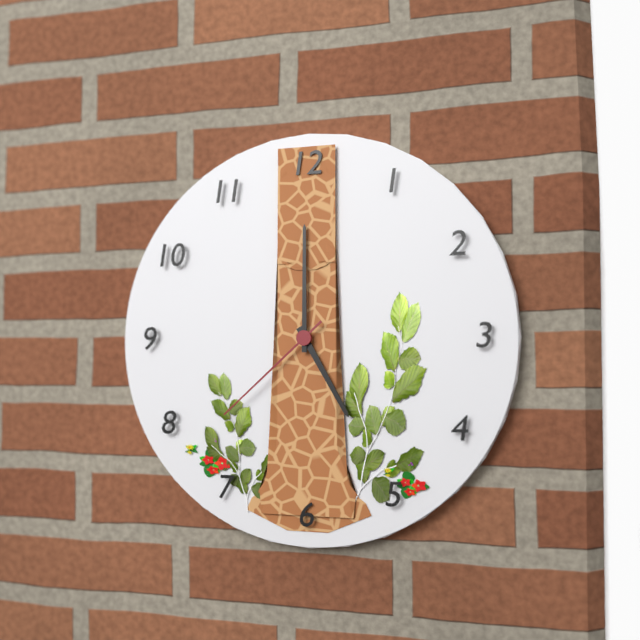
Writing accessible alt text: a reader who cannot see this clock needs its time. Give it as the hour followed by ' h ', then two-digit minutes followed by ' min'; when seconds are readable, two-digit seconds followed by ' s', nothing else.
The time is 5 h 00 min 38 s
